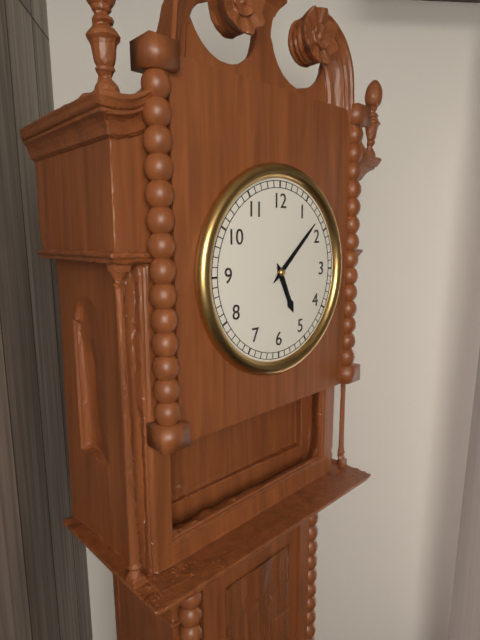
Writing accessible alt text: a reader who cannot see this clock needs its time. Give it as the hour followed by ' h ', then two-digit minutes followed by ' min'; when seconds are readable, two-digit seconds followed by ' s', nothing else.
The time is 5 h 08 min
